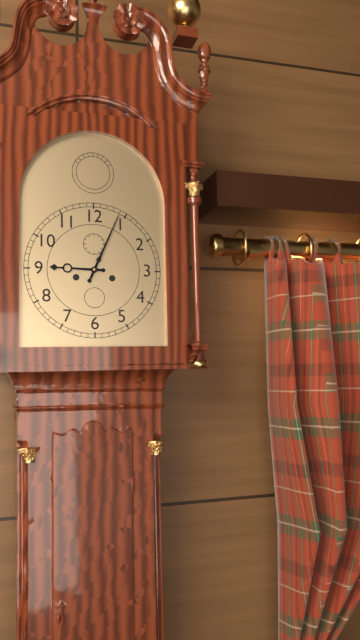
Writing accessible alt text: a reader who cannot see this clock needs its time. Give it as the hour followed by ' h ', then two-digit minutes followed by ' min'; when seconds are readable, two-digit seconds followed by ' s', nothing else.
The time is 9 h 04 min
